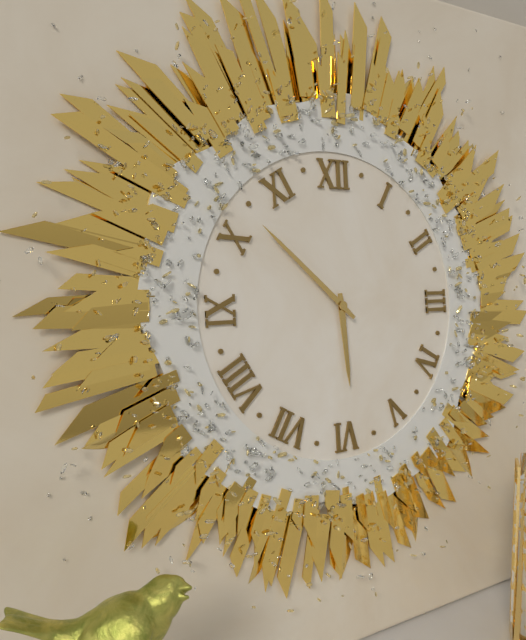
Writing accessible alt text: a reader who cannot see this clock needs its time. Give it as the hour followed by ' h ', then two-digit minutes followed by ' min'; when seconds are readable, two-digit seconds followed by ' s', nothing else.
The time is 5 h 52 min
